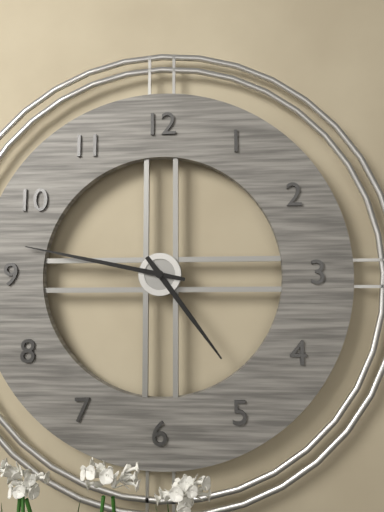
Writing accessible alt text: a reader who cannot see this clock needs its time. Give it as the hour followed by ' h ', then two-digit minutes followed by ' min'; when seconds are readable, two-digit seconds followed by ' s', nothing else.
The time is 4 h 47 min
